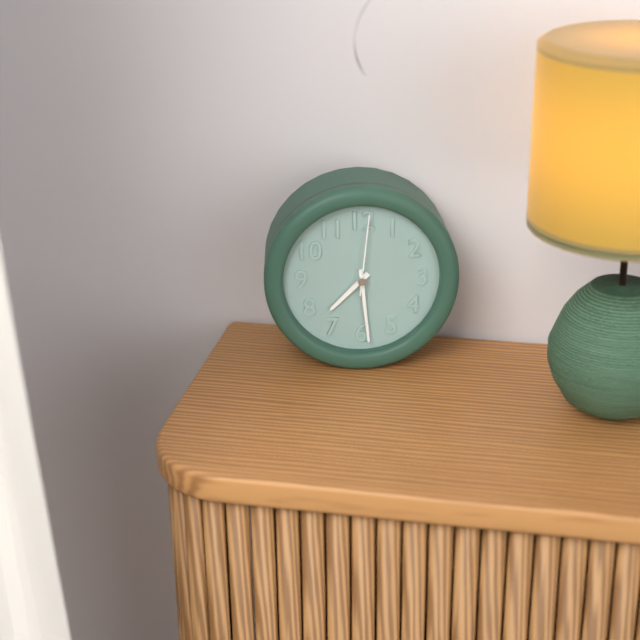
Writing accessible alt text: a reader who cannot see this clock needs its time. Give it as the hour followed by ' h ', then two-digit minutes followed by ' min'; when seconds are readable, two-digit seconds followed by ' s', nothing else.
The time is 7 h 29 min 01 s
